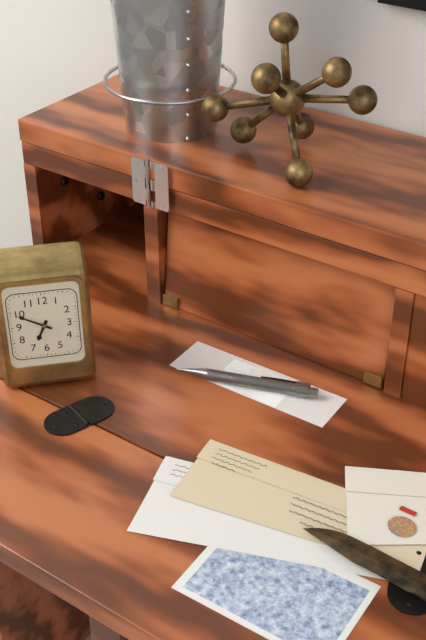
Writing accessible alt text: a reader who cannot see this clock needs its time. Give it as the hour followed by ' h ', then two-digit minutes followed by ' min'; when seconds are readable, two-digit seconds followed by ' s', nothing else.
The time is 6 h 50 min
